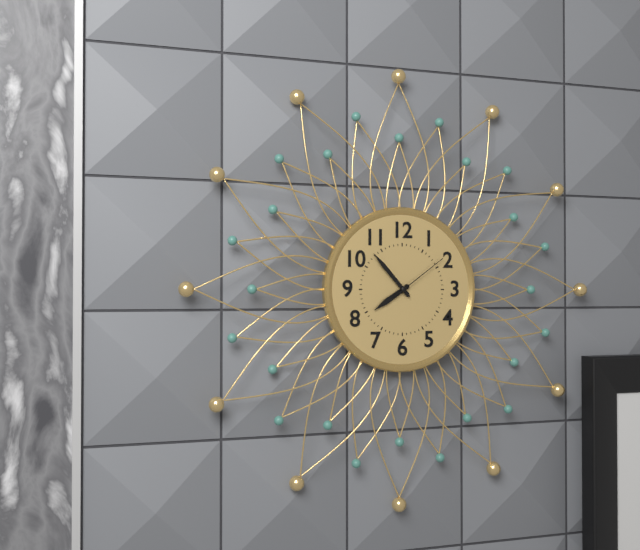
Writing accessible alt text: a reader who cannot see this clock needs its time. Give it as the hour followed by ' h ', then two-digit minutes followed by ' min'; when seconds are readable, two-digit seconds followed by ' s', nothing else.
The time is 7 h 53 min 09 s
